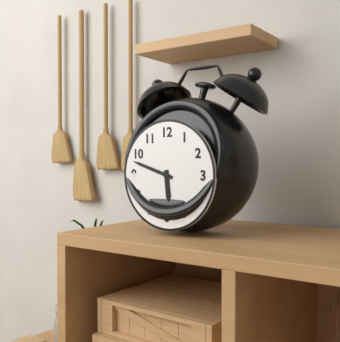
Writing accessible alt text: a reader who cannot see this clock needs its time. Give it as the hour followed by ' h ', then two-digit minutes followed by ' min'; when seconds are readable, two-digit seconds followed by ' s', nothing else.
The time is 5 h 48 min
